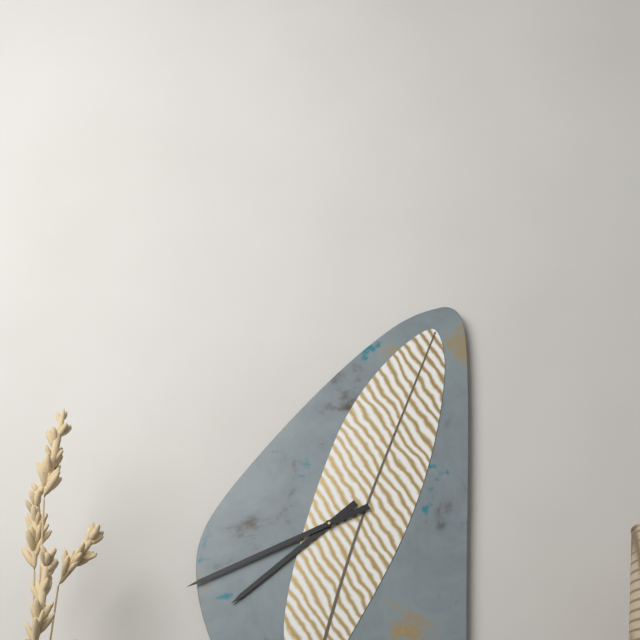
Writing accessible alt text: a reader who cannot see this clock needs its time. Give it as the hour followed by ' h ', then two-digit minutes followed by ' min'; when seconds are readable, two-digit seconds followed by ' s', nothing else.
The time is 7 h 41 min
